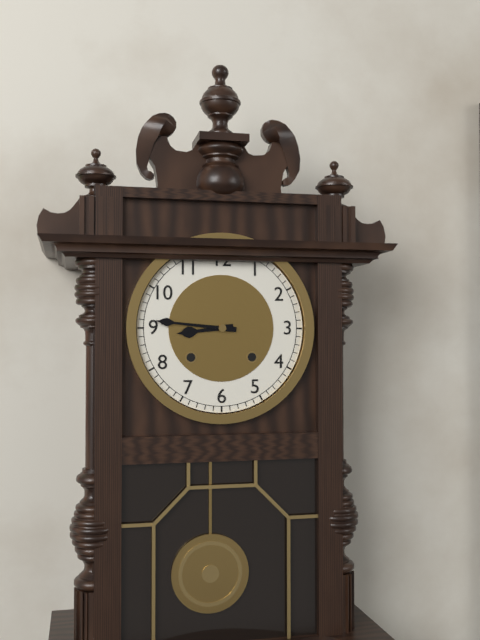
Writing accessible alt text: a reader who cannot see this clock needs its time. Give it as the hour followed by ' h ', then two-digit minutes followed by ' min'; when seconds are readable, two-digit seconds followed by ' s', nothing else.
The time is 8 h 46 min
